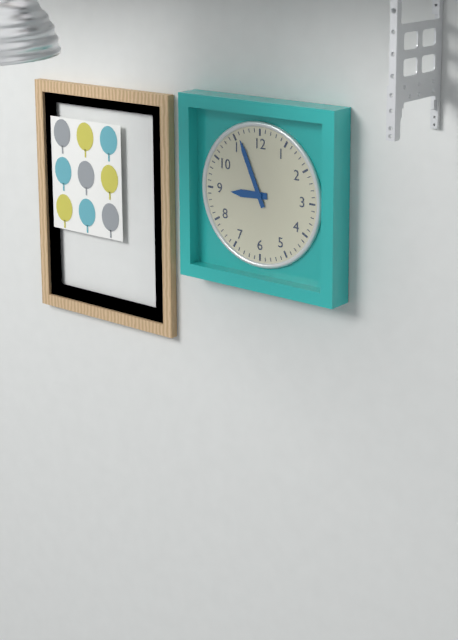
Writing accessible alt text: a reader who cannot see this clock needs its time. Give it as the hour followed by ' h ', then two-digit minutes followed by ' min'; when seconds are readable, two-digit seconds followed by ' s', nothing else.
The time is 8 h 56 min
